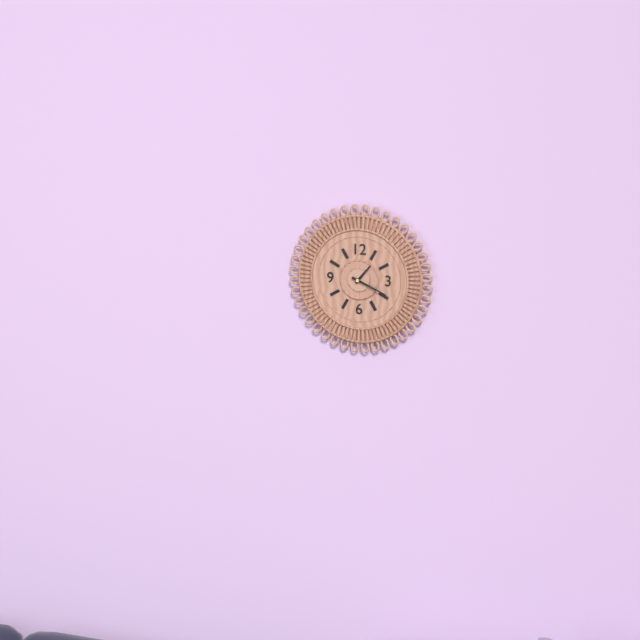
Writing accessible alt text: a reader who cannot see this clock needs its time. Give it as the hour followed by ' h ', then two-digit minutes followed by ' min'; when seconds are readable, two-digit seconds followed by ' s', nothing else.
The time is 1 h 19 min
